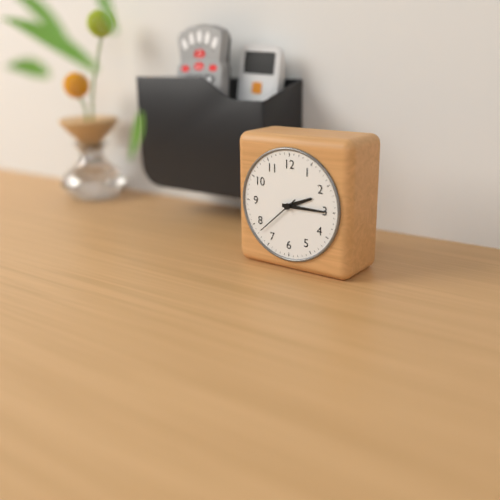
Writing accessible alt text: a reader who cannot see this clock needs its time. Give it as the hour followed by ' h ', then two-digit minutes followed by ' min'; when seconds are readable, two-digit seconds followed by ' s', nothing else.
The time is 2 h 15 min
